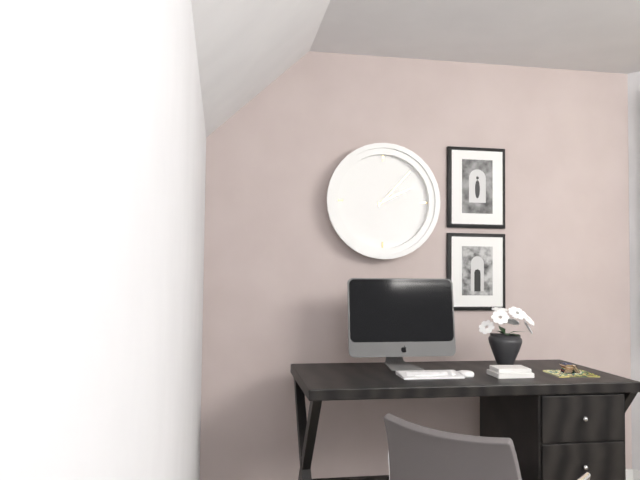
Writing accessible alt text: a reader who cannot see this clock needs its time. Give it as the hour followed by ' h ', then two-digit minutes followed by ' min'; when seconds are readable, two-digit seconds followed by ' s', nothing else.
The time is 2 h 07 min
